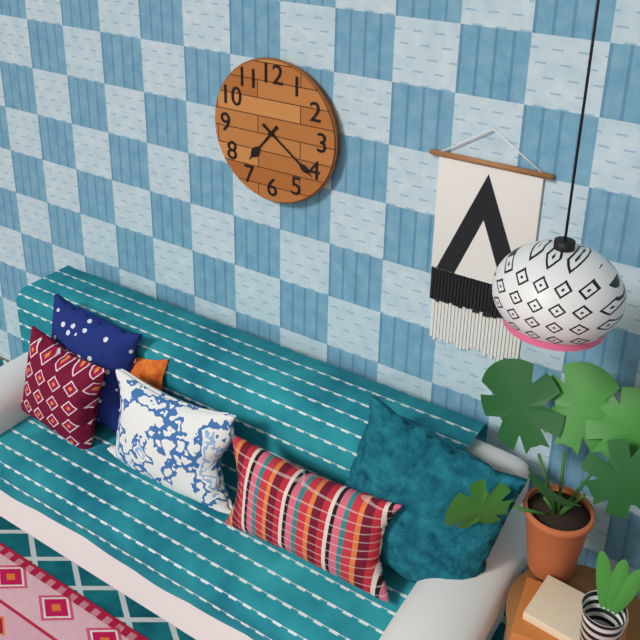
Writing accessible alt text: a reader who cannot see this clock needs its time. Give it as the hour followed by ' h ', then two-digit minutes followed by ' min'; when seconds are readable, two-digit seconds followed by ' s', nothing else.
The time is 7 h 21 min
